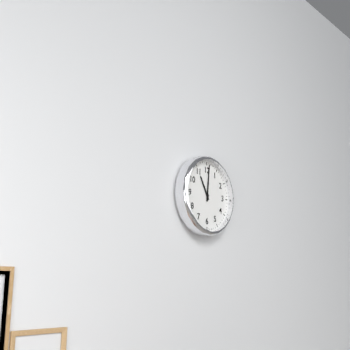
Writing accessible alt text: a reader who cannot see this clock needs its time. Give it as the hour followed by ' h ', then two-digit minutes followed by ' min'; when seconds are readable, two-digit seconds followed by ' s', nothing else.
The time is 11 h 01 min
